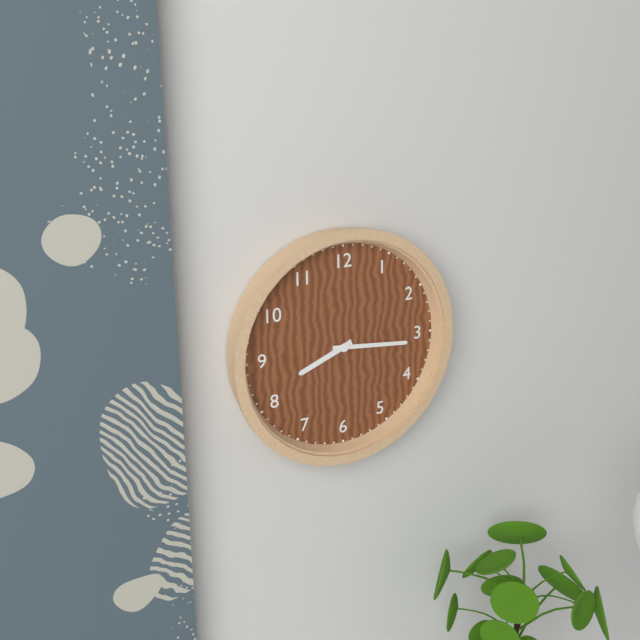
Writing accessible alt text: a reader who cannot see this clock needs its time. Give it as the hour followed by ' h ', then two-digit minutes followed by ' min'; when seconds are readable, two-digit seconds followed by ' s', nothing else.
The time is 8 h 16 min
